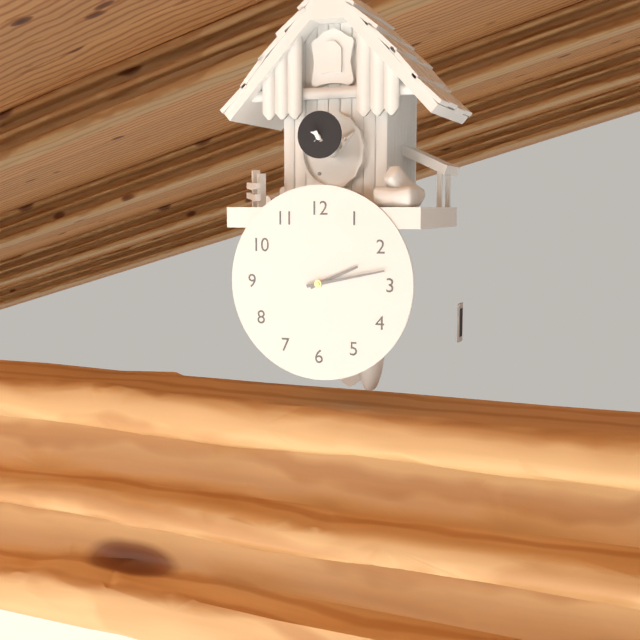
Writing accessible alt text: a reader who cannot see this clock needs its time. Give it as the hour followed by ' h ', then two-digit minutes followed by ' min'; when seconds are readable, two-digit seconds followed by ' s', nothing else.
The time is 2 h 13 min
